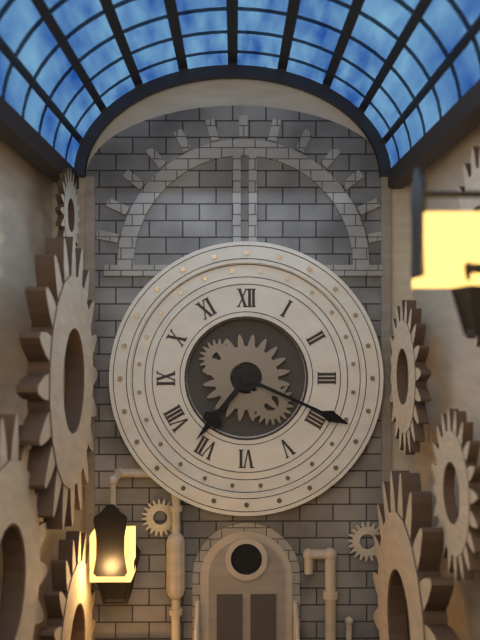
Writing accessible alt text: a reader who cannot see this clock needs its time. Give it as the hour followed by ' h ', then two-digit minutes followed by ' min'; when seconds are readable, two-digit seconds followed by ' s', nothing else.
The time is 7 h 19 min
